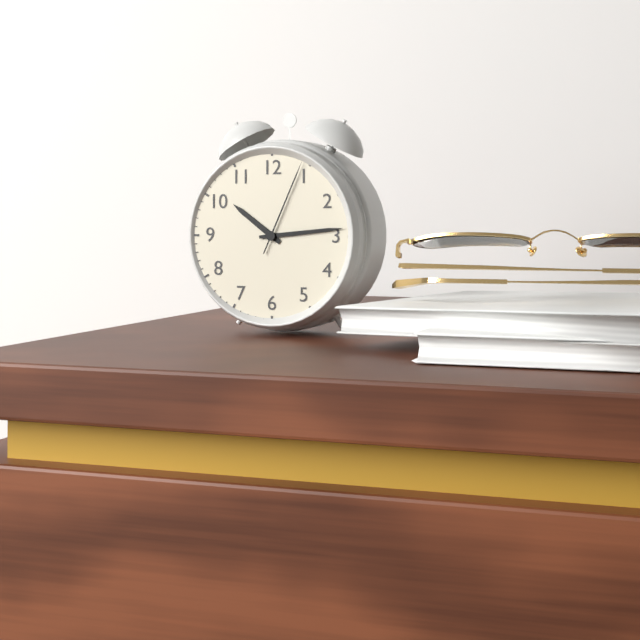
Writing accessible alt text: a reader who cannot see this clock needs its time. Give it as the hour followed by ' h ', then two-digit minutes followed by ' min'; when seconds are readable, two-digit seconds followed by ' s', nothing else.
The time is 10 h 14 min 04 s
